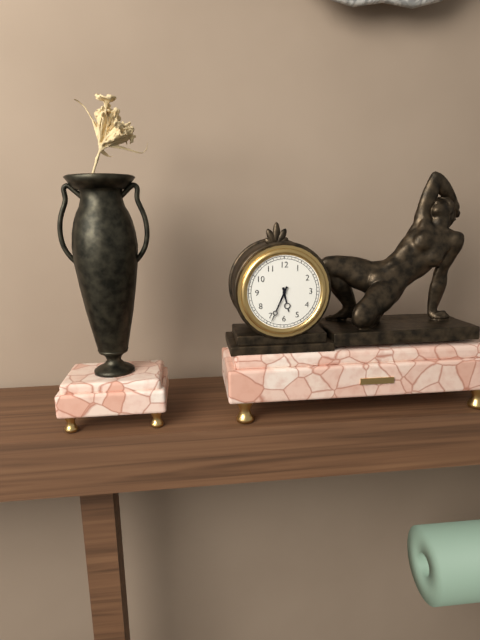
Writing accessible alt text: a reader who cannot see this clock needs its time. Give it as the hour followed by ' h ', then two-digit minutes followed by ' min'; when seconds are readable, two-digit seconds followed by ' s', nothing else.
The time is 5 h 34 min
